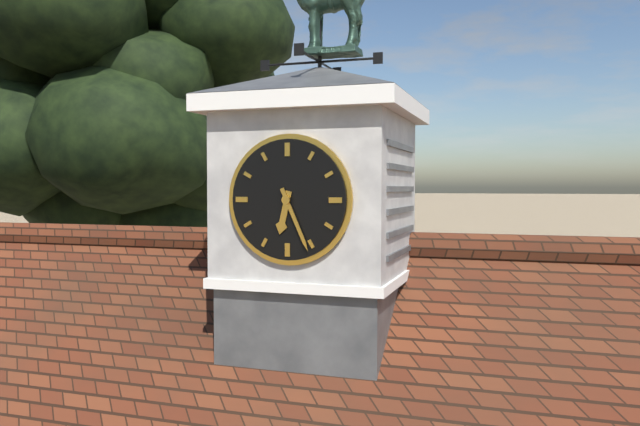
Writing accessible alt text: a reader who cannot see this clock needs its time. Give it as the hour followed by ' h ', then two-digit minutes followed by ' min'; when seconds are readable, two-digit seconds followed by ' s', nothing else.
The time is 6 h 26 min
